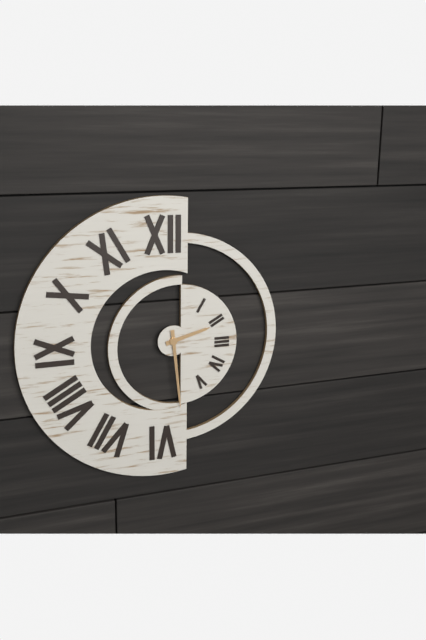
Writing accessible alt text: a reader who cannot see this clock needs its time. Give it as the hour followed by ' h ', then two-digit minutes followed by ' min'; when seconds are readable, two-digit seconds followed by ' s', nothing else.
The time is 2 h 29 min
